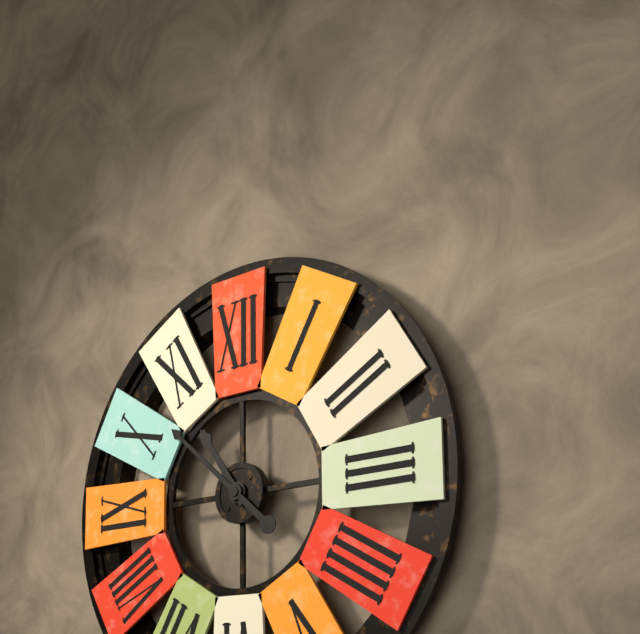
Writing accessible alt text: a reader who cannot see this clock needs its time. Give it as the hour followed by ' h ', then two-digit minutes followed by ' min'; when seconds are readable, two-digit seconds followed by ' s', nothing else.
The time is 10 h 52 min
